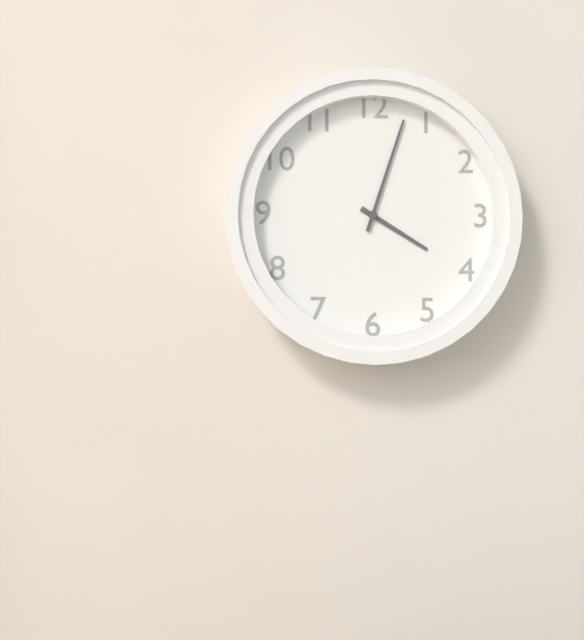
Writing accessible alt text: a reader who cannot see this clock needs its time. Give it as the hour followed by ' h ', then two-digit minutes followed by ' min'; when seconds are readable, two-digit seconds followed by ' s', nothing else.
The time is 4 h 03 min
